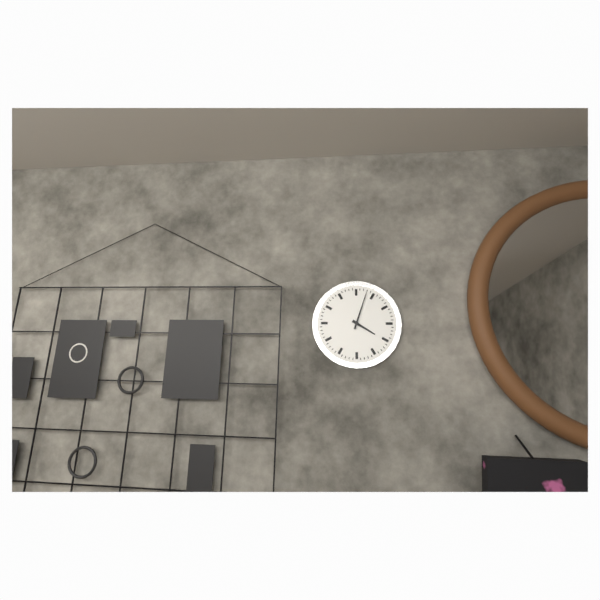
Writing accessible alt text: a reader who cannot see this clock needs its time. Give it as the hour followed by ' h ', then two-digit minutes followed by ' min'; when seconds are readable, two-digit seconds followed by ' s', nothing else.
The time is 4 h 03 min
